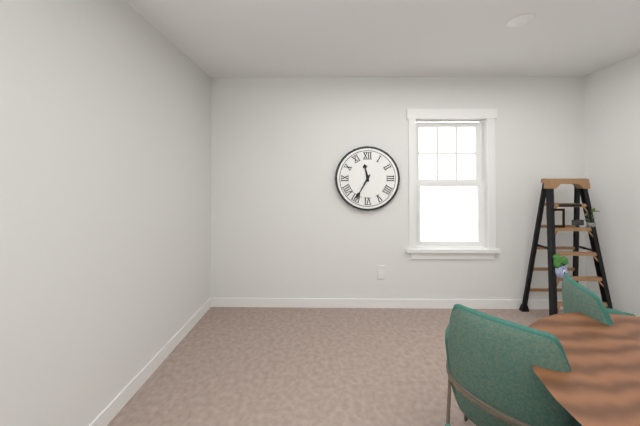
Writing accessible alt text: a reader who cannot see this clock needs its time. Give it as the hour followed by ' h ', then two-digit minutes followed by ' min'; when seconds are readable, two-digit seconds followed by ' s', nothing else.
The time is 11 h 35 min
